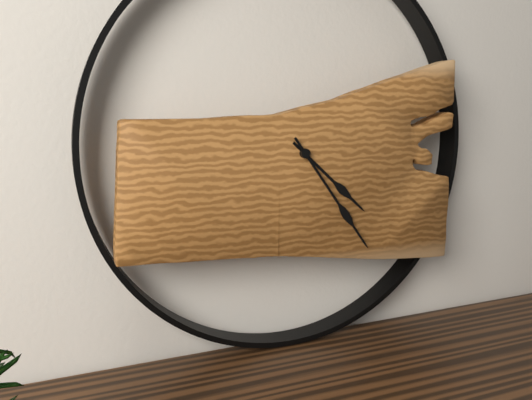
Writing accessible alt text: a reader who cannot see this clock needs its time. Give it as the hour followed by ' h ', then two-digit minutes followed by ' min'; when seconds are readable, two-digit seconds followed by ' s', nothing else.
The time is 4 h 24 min
